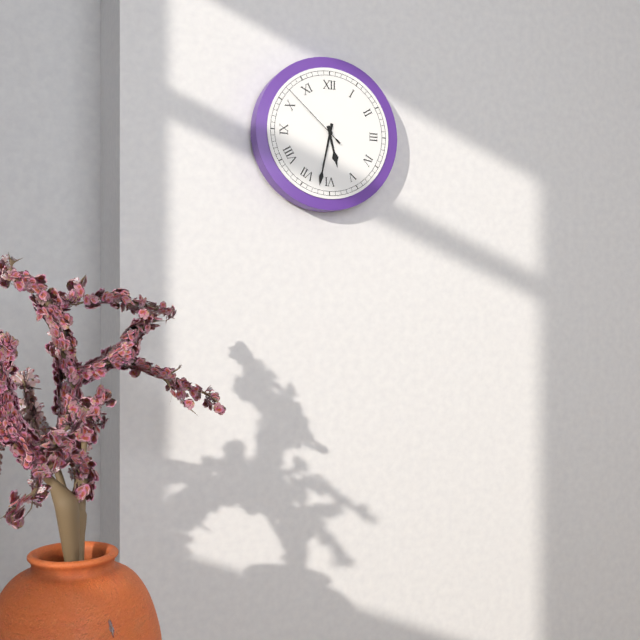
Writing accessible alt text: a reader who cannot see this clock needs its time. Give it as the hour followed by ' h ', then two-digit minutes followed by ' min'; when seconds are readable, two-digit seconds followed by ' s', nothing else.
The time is 5 h 32 min 52 s
